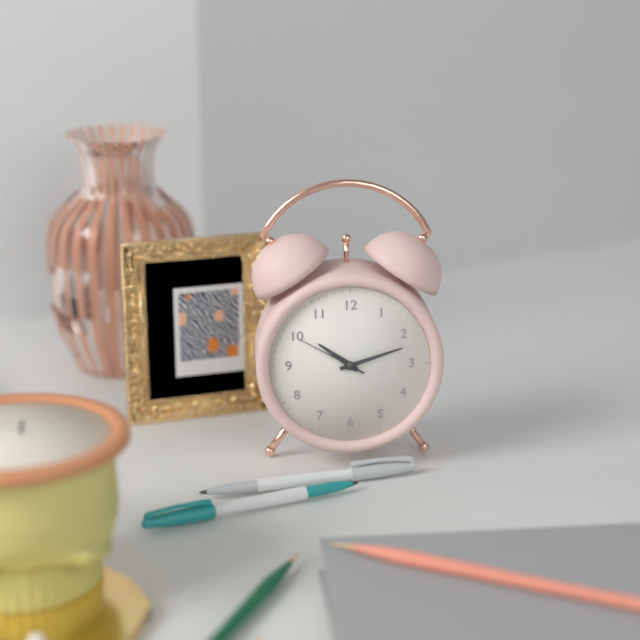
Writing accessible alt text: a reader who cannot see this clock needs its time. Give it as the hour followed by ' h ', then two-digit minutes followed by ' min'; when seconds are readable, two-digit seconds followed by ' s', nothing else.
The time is 10 h 12 min 50 s
